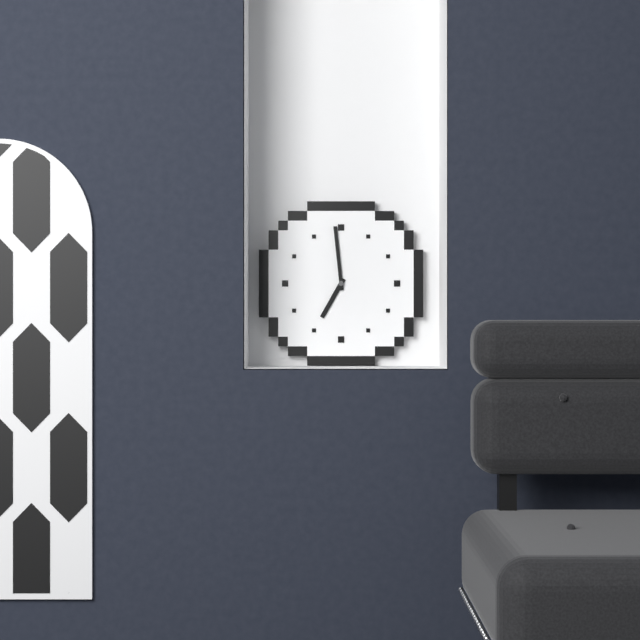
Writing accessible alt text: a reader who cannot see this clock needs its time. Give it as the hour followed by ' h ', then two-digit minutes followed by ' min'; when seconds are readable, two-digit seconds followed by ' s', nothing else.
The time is 6 h 59 min
